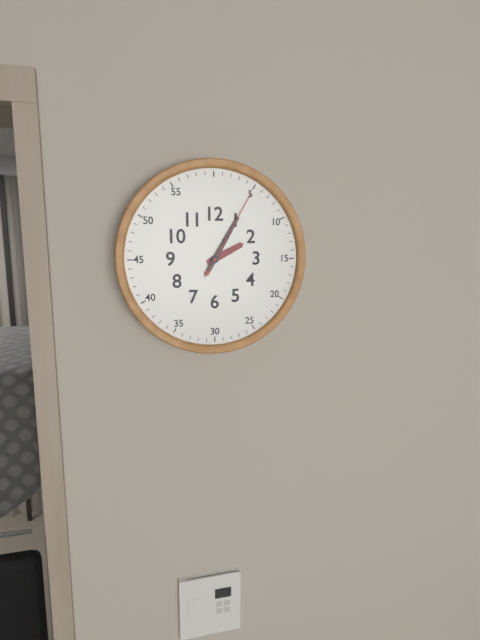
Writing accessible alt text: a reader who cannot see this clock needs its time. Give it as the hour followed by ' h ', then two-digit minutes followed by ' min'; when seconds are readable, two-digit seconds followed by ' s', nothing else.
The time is 2 h 05 min 05 s
